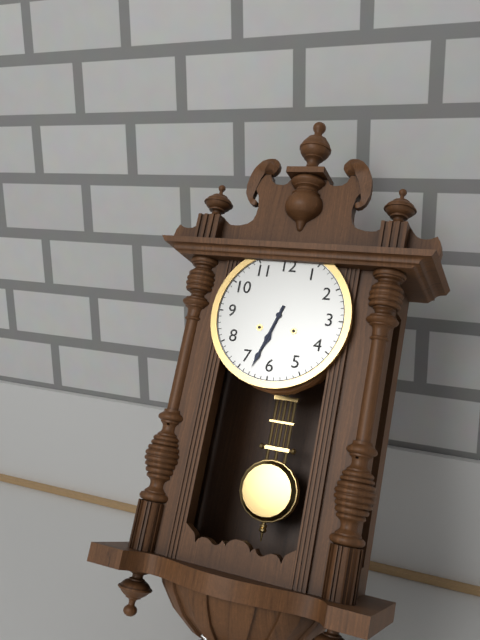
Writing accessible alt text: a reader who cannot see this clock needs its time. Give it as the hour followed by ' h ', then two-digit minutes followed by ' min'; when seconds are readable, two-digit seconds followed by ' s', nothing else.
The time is 6 h 33 min
